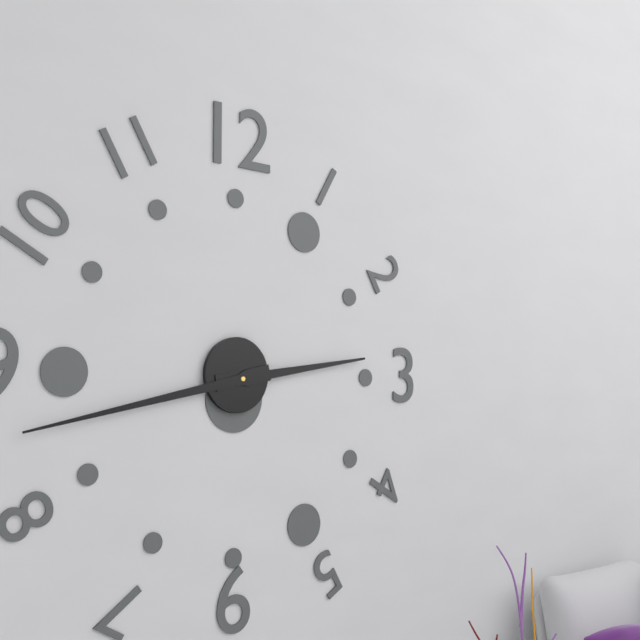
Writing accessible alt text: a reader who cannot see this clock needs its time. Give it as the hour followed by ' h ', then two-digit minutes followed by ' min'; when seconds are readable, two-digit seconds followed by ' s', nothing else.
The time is 2 h 43 min
